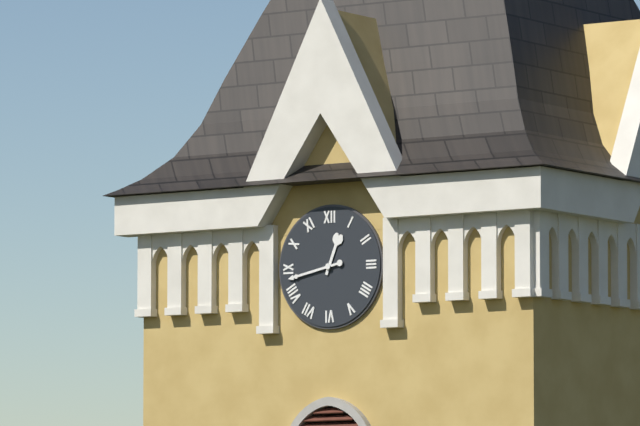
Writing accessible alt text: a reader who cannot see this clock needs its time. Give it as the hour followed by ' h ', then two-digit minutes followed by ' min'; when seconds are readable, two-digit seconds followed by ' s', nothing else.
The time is 12 h 43 min
